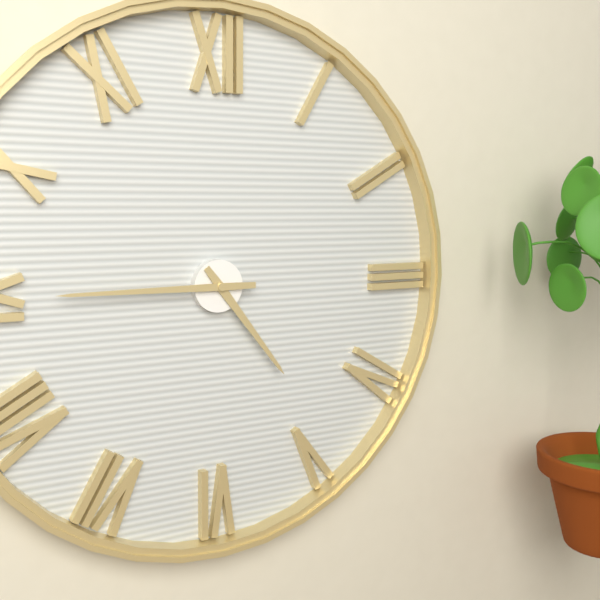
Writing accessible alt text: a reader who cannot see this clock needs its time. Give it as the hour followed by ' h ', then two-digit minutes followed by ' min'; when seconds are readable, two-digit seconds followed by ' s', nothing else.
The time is 4 h 45 min
